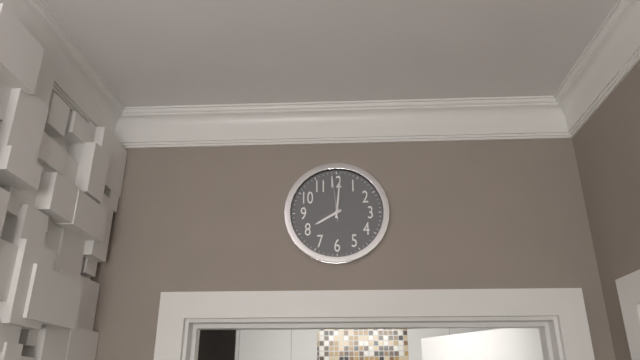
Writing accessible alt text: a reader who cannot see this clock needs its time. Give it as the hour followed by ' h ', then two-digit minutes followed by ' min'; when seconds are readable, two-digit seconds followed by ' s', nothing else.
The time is 8 h 01 min
